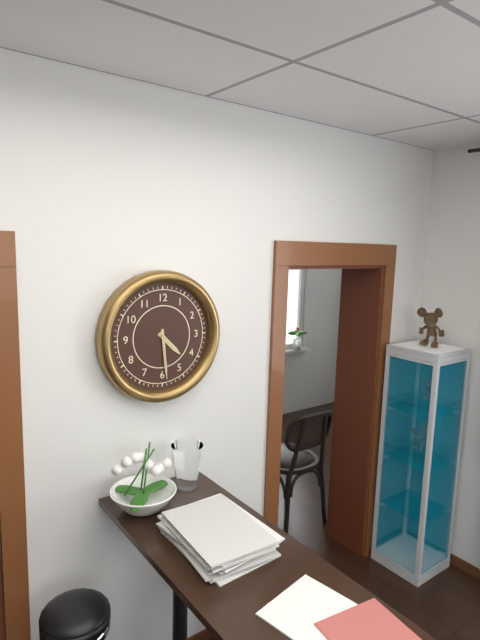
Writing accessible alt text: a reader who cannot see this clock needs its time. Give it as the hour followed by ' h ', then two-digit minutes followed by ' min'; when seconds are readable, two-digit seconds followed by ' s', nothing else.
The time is 4 h 29 min
